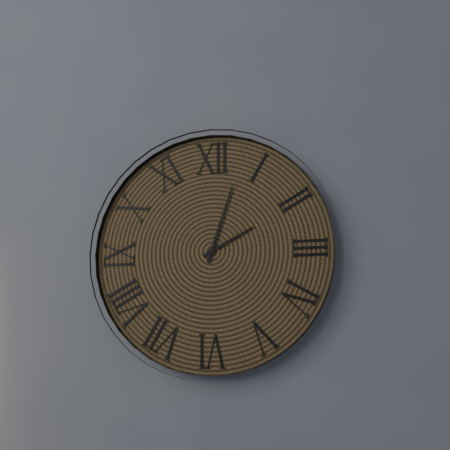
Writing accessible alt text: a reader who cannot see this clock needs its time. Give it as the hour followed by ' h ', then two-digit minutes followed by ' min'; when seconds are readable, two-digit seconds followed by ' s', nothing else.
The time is 2 h 03 min
